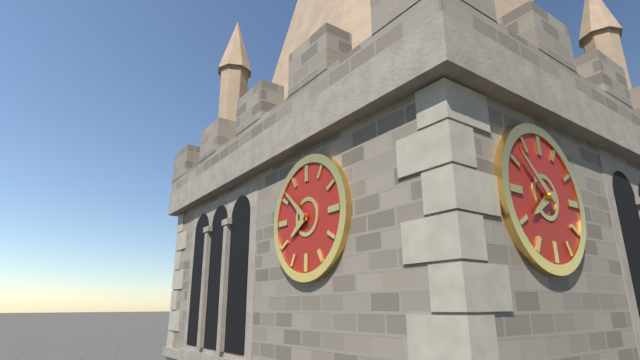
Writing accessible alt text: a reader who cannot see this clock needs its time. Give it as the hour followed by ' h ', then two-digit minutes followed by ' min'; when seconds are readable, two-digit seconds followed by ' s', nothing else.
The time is 7 h 52 min
